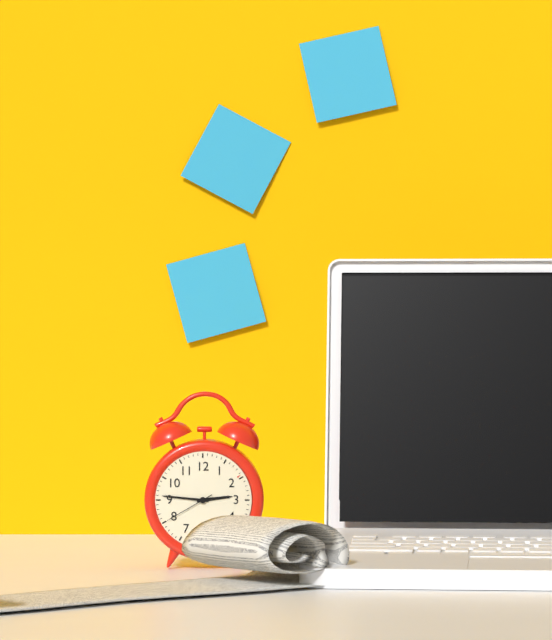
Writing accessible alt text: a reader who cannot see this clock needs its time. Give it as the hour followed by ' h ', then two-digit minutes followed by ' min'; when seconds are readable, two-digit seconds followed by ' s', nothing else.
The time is 2 h 46 min 40 s
